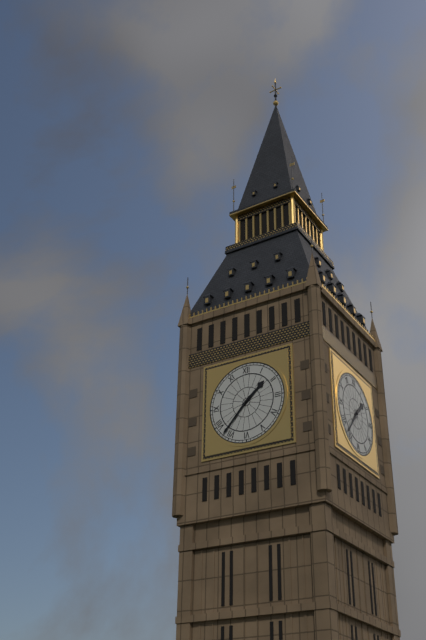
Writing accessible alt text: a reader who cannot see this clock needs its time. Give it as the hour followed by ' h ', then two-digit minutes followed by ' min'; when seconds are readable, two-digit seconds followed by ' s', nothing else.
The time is 1 h 37 min
